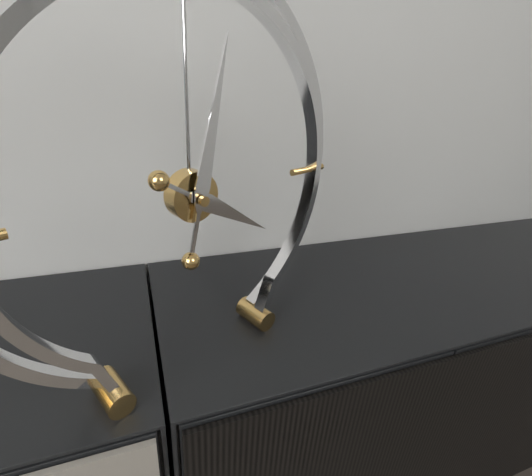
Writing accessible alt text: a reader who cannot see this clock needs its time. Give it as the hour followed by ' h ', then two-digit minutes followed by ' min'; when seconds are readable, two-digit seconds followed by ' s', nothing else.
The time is 4 h 02 min
